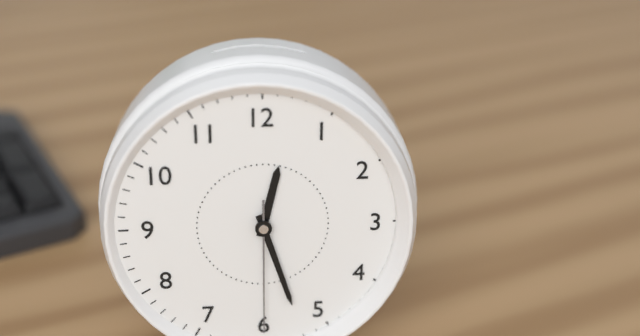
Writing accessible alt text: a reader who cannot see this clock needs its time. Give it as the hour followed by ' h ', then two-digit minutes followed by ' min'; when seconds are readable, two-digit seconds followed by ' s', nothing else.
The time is 12 h 27 min 30 s
